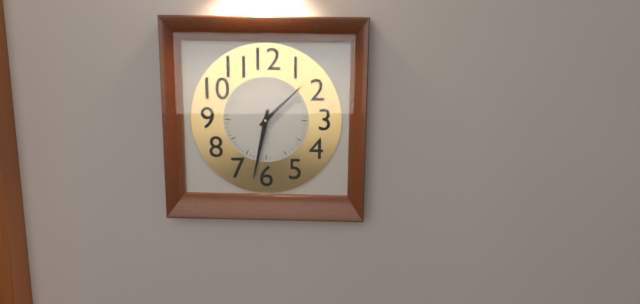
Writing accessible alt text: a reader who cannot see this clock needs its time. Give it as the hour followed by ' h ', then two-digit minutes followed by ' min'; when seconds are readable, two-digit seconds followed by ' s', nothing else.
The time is 1 h 32 min
